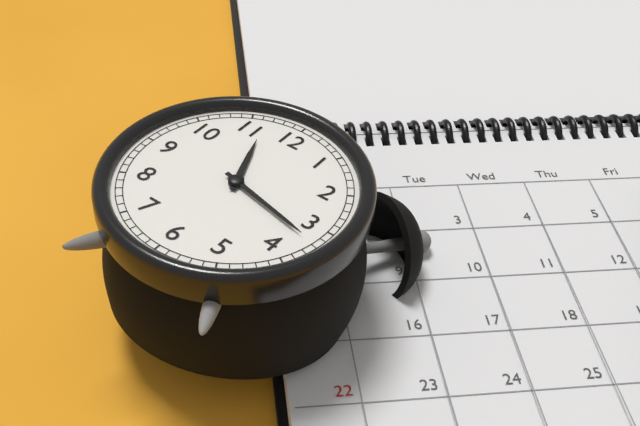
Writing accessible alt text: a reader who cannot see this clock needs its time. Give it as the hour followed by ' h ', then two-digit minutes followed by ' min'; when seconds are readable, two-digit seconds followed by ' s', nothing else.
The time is 11 h 17 min
